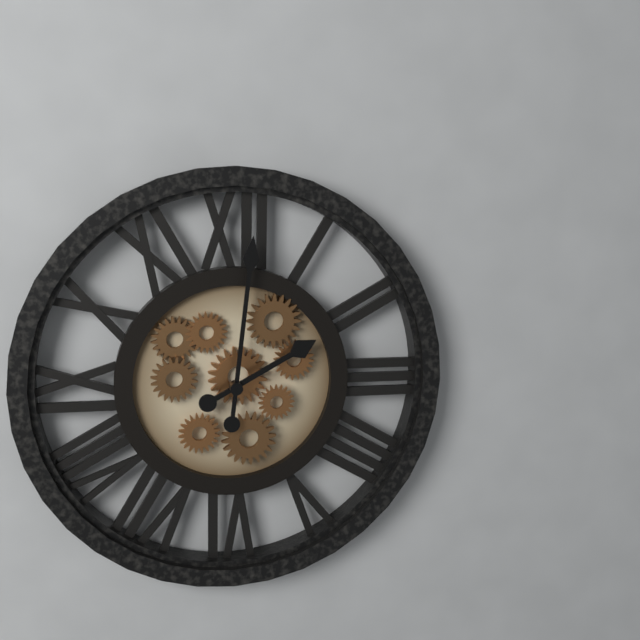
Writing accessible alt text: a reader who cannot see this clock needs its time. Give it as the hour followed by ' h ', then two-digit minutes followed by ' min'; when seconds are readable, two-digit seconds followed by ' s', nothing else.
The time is 2 h 01 min
